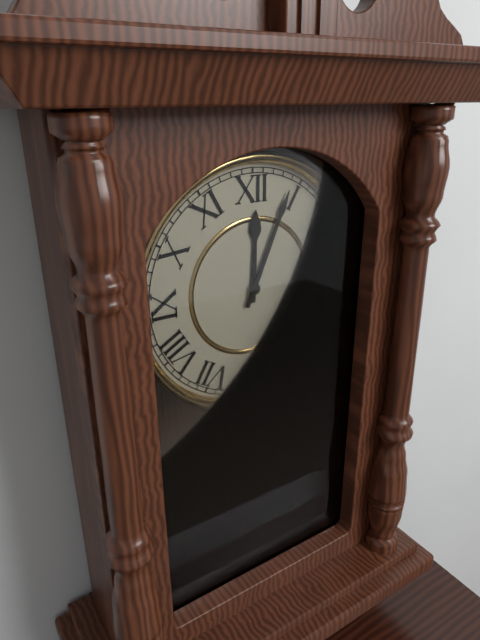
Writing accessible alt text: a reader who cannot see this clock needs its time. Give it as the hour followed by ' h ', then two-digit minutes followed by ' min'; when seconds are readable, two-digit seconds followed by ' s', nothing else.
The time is 12 h 04 min
